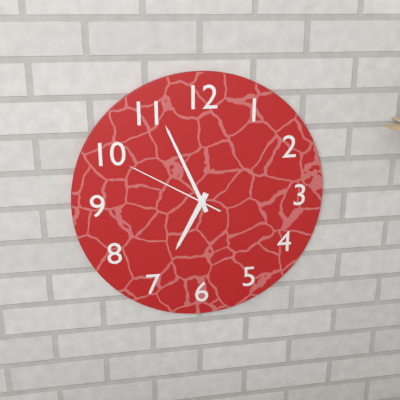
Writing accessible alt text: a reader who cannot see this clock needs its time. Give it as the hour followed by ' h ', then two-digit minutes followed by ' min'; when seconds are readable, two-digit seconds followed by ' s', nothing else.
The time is 6 h 56 min 50 s
